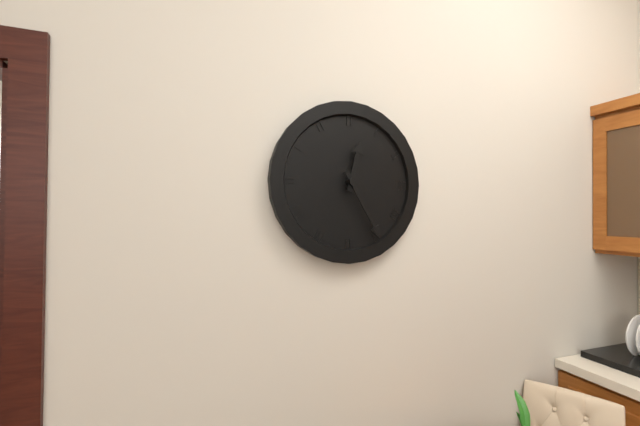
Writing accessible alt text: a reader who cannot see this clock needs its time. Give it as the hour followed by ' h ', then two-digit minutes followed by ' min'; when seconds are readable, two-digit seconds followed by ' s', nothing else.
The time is 12 h 25 min
